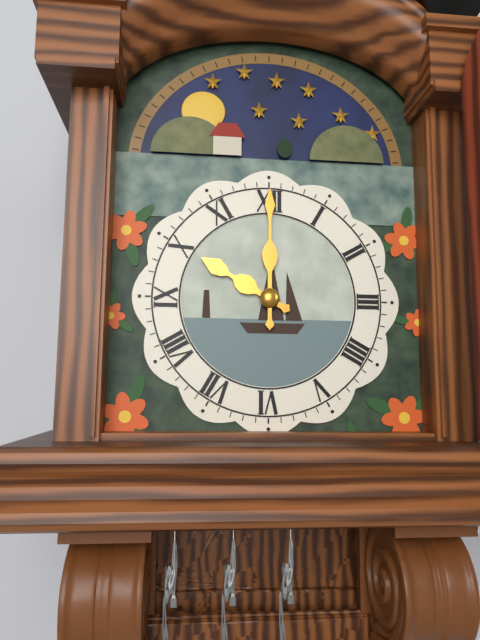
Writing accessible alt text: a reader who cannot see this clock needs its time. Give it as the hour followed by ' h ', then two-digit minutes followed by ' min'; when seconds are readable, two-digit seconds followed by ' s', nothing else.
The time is 10 h 00 min
